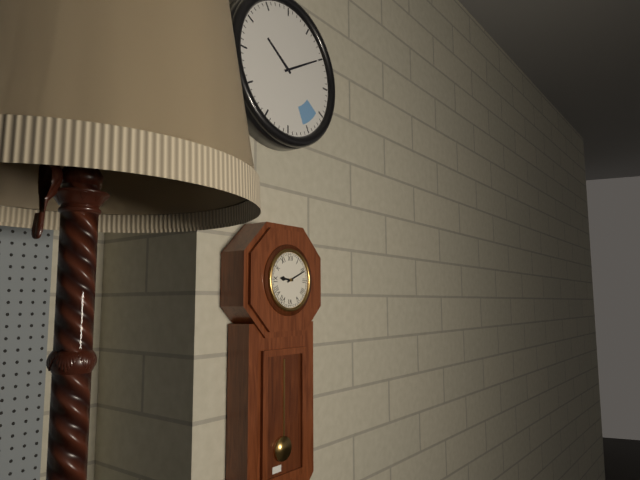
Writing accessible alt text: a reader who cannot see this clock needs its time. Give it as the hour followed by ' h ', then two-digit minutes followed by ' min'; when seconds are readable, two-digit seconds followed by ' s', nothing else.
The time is 9 h 11 min
